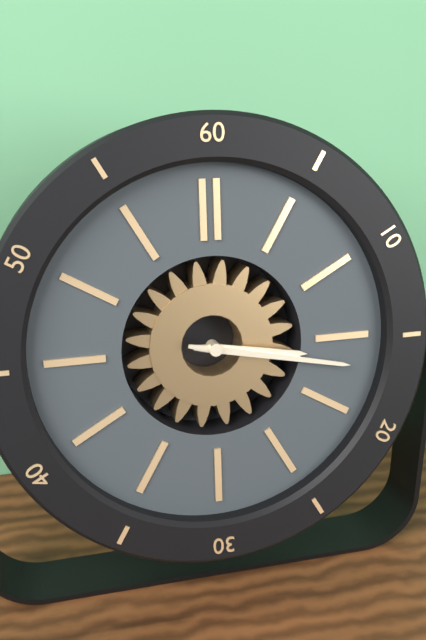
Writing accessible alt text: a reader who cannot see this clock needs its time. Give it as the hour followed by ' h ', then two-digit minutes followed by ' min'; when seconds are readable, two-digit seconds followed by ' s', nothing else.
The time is 3 h 17 min
